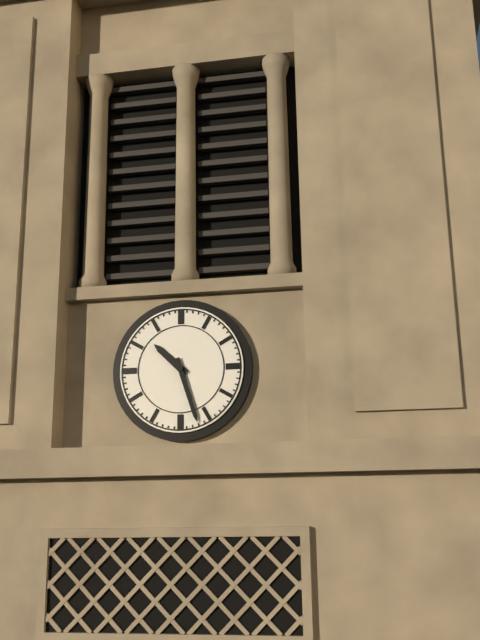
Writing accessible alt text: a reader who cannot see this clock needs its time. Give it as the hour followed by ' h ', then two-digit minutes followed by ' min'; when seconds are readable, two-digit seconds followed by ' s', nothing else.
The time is 10 h 27 min
